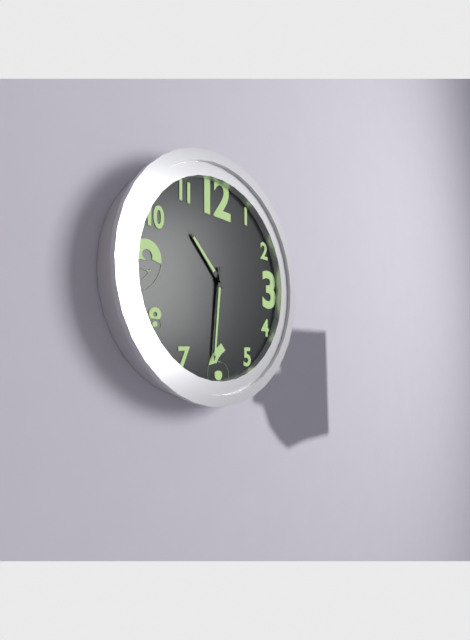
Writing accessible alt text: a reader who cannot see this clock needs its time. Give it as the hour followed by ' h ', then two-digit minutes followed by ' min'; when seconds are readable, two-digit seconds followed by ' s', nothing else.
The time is 10 h 31 min
